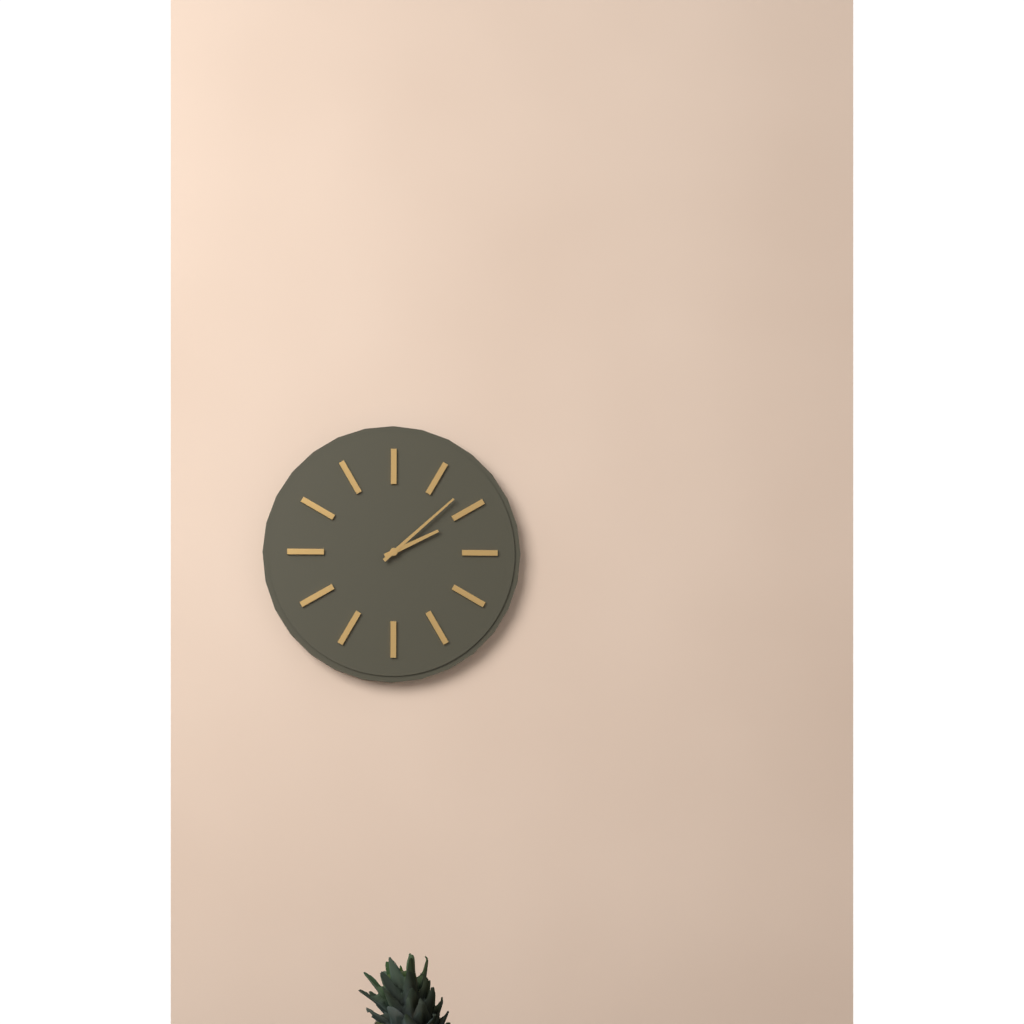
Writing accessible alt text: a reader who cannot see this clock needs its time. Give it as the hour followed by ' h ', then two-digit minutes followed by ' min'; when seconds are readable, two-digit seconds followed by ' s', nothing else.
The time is 2 h 08 min
